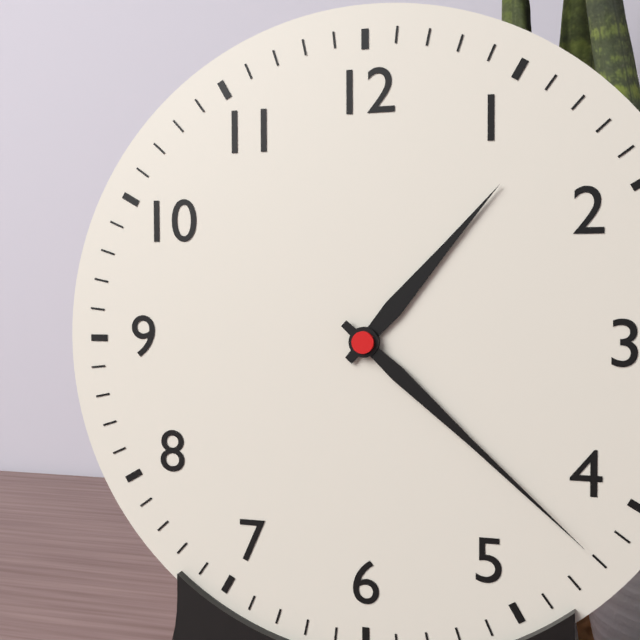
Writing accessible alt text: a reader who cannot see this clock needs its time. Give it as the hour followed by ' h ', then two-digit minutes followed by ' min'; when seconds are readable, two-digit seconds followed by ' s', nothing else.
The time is 1 h 22 min
